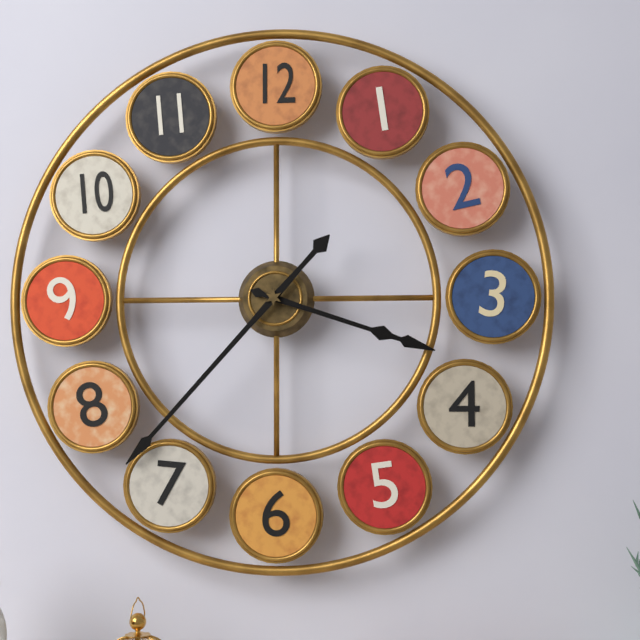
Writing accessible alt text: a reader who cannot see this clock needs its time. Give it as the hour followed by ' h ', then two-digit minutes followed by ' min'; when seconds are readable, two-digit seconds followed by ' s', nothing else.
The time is 3 h 37 min
